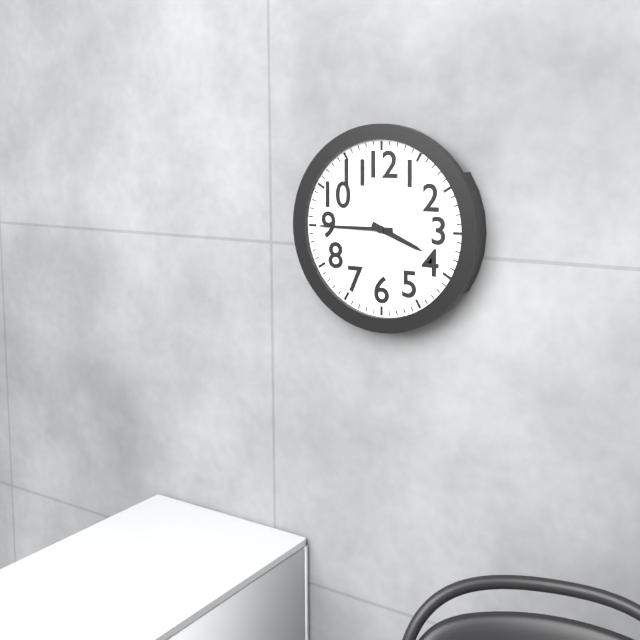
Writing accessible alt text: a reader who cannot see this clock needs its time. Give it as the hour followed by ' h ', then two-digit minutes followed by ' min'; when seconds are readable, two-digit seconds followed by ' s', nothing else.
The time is 3 h 45 min
